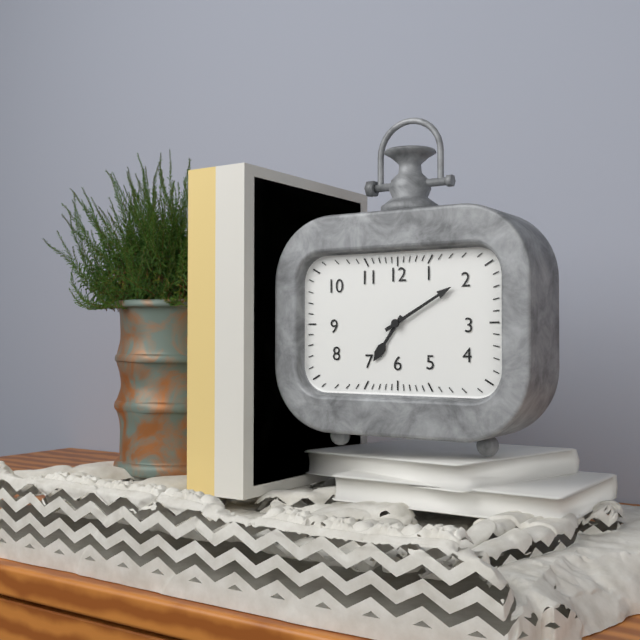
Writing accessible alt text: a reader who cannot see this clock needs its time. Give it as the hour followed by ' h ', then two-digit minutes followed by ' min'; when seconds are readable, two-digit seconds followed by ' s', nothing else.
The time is 7 h 10 min
